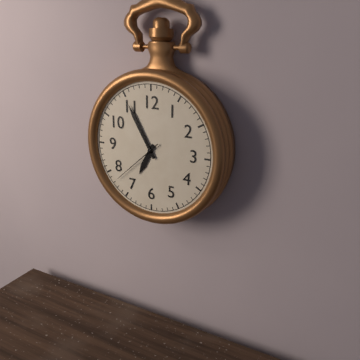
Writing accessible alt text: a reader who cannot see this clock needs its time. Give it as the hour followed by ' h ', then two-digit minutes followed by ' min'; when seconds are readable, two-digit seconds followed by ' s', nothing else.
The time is 6 h 55 min 38 s
